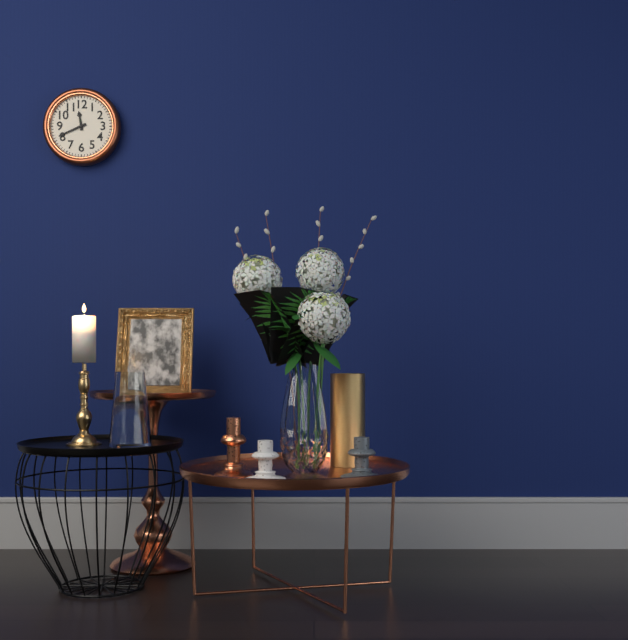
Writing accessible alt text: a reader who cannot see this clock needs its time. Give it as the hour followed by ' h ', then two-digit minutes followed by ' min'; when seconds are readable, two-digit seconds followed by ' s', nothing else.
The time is 11 h 41 min
